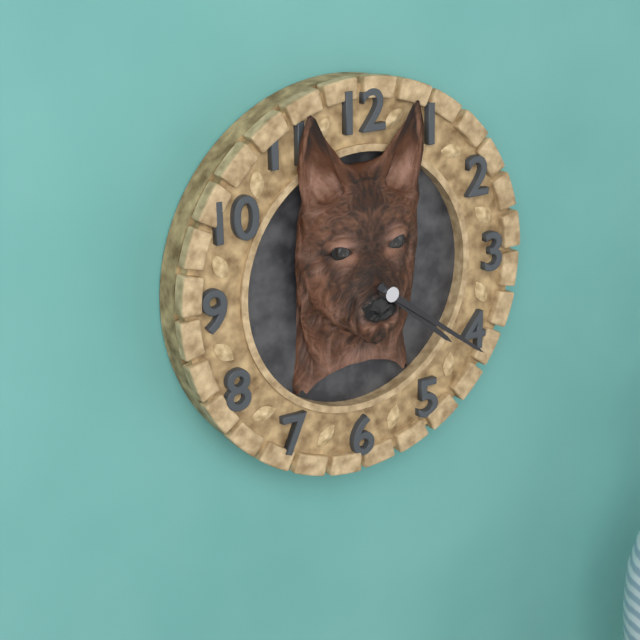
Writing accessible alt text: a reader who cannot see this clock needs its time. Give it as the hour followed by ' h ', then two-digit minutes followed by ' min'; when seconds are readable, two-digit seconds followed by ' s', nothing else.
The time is 4 h 21 min
